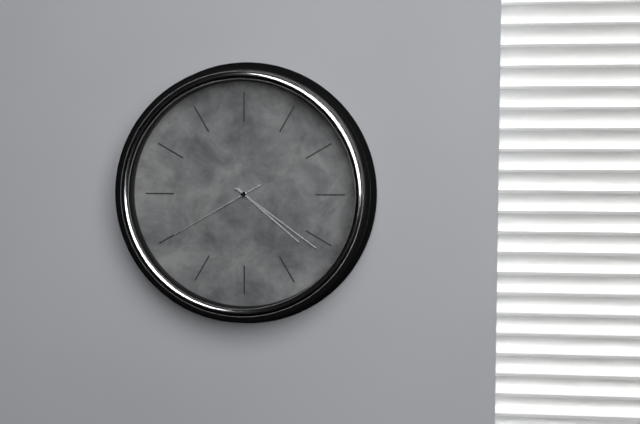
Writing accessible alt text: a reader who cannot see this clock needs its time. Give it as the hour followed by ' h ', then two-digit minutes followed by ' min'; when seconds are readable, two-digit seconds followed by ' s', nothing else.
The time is 4 h 21 min 40 s
